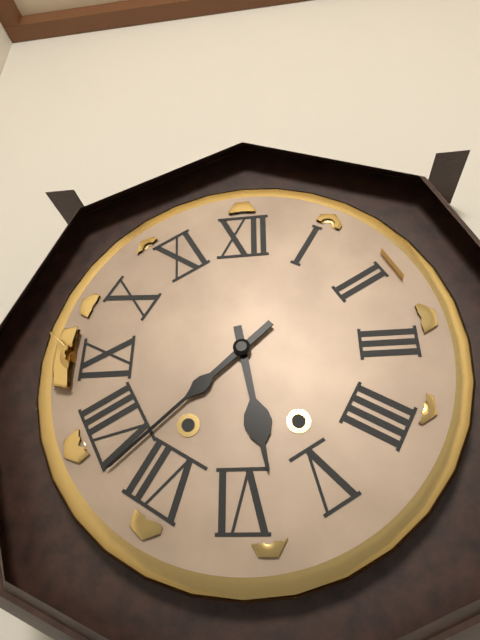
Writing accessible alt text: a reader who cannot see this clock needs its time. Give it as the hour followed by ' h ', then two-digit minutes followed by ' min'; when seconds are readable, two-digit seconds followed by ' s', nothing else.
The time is 5 h 38 min
